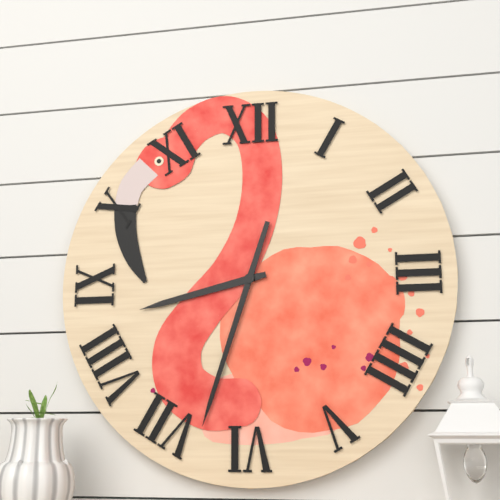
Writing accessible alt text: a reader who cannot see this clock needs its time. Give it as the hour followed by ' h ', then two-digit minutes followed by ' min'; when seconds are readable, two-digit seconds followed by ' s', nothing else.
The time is 8 h 33 min
